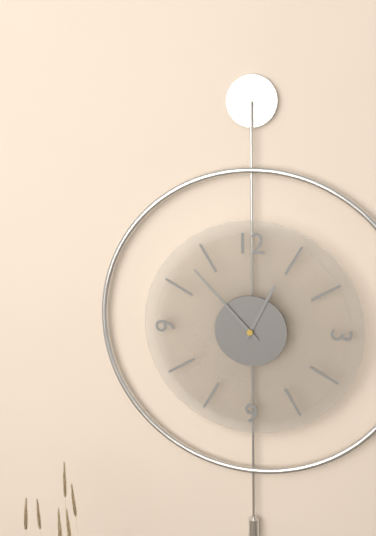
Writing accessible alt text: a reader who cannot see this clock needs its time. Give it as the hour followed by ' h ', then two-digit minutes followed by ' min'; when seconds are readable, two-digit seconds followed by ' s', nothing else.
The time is 12 h 53 min
